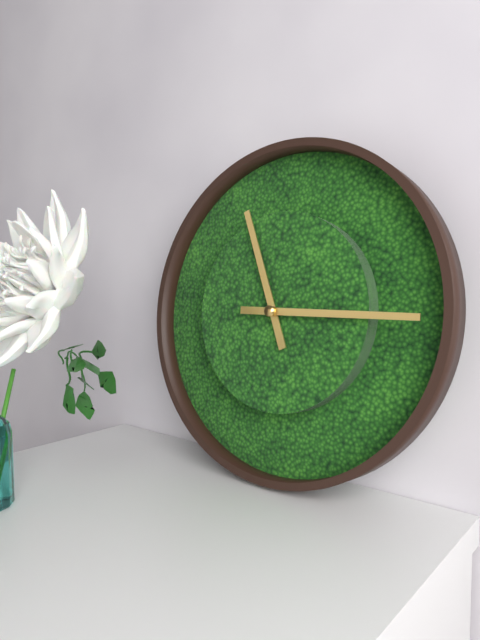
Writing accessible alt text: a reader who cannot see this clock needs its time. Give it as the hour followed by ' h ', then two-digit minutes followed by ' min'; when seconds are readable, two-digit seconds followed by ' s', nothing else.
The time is 11 h 15 min
